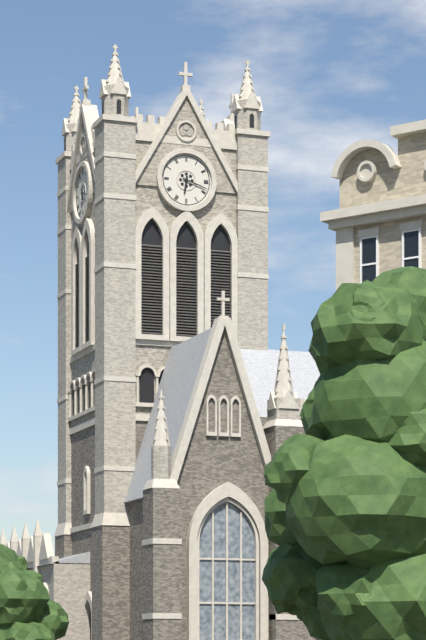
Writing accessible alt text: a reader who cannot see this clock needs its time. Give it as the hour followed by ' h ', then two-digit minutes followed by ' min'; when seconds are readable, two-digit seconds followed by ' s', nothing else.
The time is 6 h 18 min
